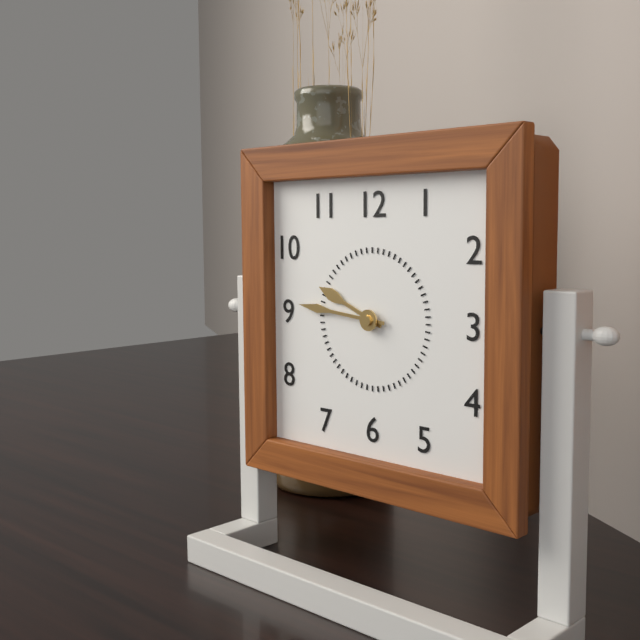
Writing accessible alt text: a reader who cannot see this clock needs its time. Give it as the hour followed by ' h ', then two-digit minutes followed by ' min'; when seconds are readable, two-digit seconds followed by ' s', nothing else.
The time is 9 h 46 min
